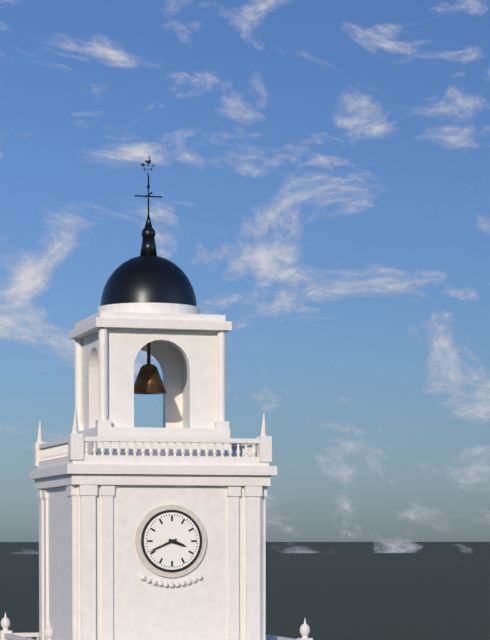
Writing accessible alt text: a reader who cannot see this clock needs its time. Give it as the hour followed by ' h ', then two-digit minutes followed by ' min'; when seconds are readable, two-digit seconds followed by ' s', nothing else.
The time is 3 h 41 min
